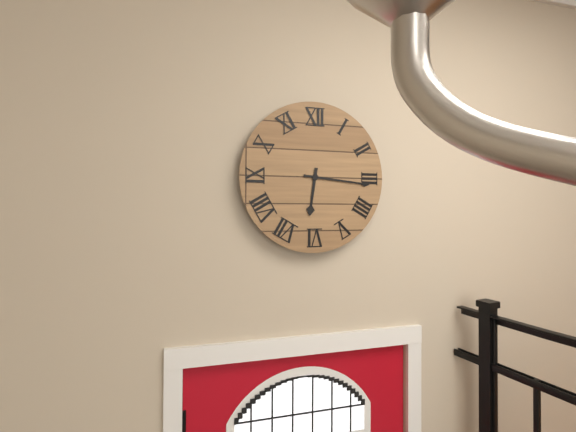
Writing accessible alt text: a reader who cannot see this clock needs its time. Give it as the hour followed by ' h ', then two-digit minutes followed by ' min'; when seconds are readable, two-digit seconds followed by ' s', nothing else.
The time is 6 h 16 min
